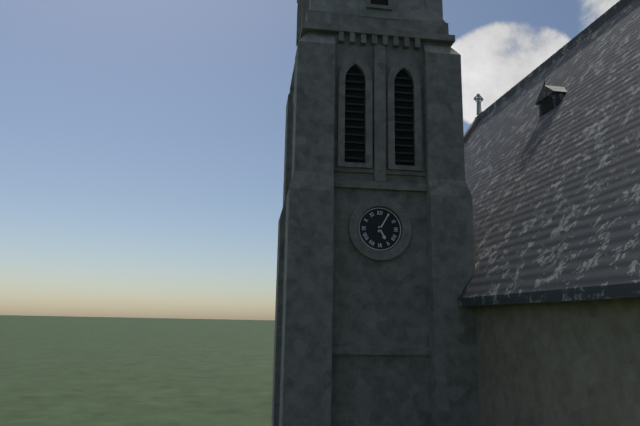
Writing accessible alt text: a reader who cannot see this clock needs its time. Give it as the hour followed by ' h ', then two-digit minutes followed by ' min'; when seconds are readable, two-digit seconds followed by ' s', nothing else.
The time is 5 h 05 min
